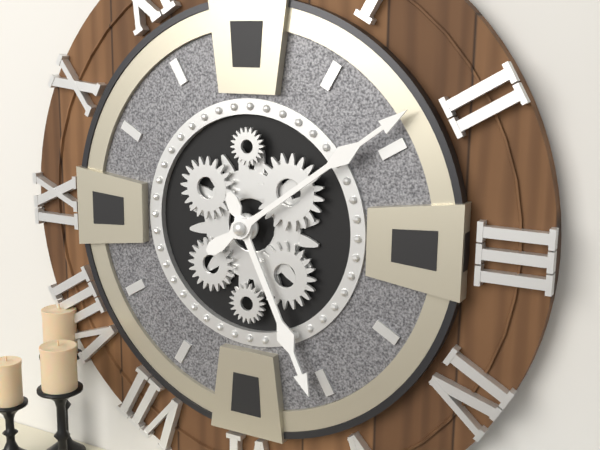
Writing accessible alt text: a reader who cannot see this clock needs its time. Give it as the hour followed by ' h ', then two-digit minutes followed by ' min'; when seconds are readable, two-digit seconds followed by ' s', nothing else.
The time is 5 h 09 min
